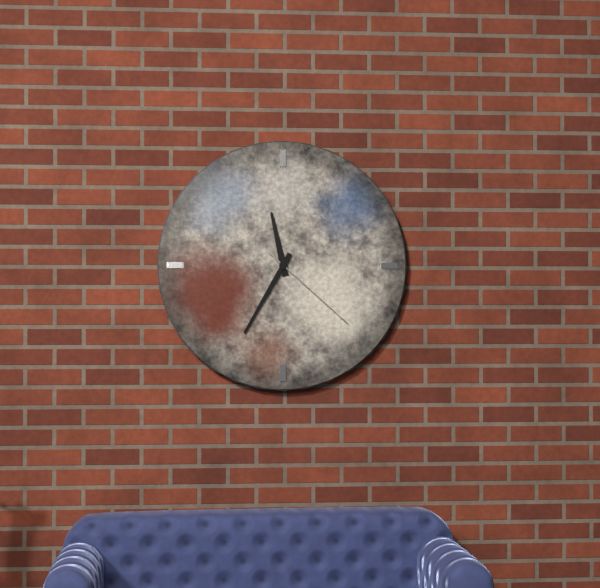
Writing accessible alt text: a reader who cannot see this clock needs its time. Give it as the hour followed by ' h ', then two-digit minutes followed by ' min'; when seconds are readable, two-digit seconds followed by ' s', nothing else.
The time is 11 h 35 min 22 s
